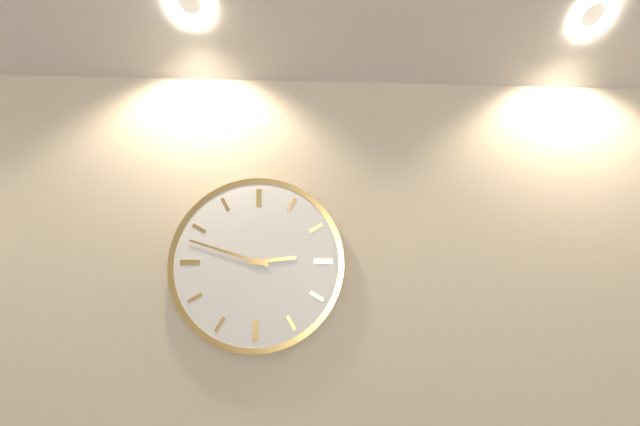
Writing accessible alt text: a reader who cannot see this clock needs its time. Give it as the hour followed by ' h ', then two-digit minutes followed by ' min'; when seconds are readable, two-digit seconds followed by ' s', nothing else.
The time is 2 h 48 min
